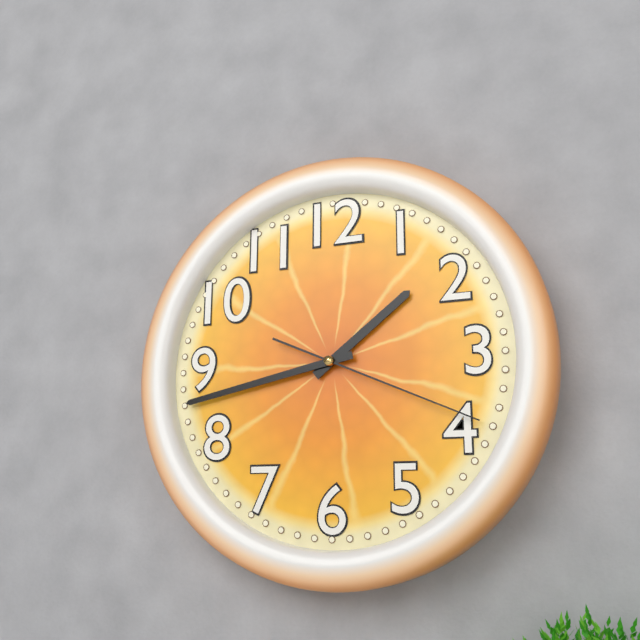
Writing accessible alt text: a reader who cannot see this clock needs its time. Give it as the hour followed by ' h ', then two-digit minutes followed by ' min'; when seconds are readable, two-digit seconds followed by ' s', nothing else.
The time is 1 h 43 min 19 s
